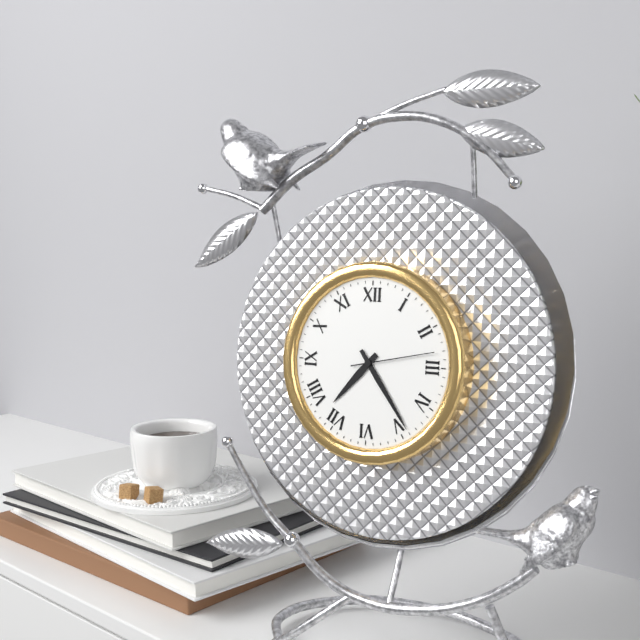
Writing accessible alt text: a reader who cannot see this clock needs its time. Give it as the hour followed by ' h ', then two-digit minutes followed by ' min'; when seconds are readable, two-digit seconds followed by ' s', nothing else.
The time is 7 h 24 min 13 s
